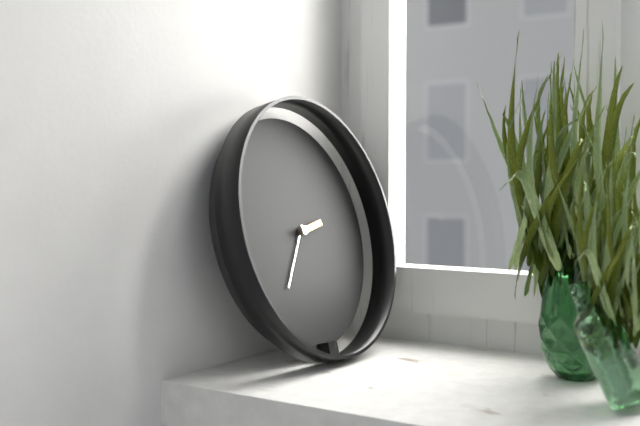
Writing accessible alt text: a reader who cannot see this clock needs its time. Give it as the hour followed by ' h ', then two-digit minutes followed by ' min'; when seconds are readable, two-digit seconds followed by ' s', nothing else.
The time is 2 h 36 min
